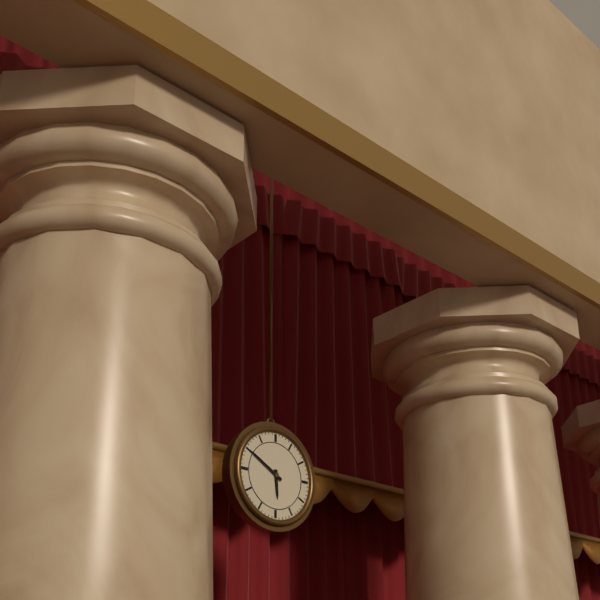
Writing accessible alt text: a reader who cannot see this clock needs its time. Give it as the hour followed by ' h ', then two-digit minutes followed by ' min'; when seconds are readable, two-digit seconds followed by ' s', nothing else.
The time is 5 h 50 min
